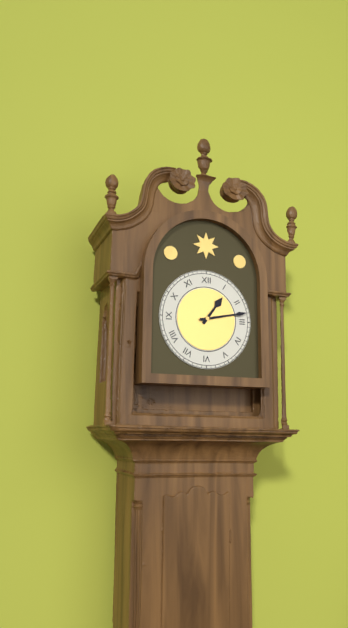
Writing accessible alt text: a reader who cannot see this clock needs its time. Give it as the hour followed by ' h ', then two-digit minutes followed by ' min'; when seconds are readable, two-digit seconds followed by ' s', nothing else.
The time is 1 h 13 min
